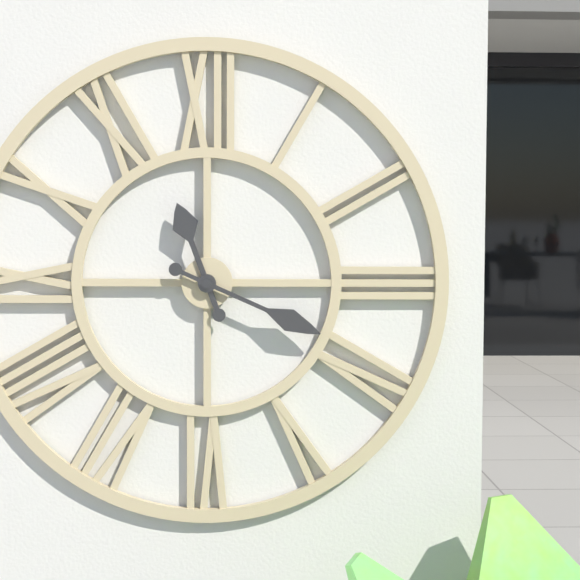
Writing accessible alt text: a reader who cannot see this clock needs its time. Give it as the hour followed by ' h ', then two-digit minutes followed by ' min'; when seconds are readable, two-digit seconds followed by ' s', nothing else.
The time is 11 h 19 min
